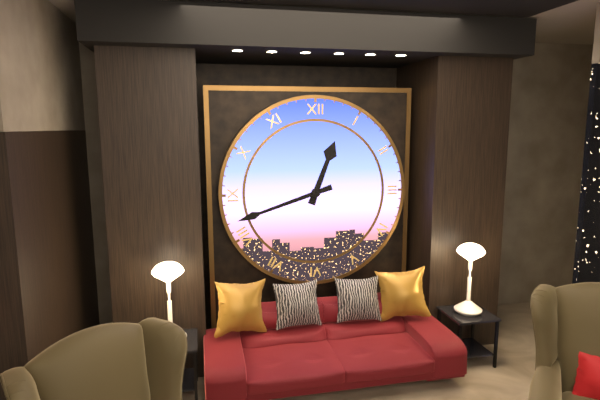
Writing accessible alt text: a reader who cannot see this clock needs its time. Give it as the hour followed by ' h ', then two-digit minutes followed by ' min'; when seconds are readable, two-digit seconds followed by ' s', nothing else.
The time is 12 h 42 min
